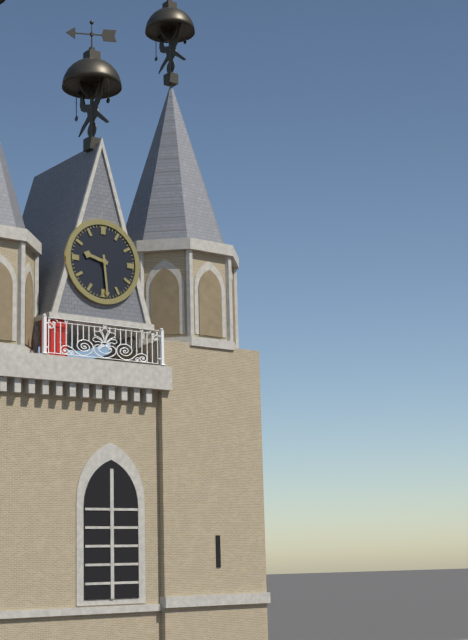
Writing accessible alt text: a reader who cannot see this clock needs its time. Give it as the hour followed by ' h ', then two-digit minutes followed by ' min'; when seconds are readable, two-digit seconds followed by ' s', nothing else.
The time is 9 h 29 min
